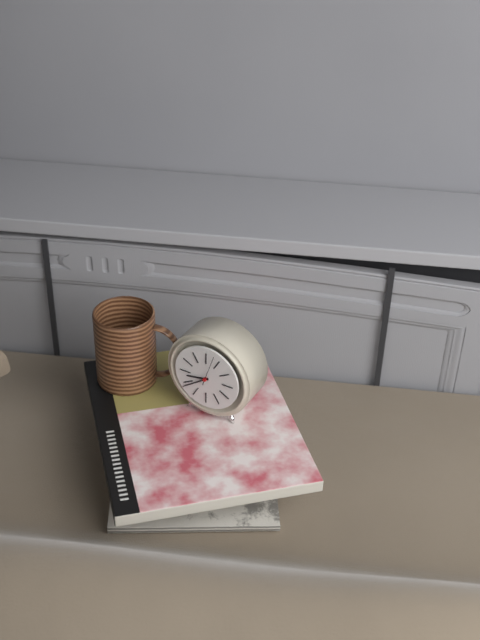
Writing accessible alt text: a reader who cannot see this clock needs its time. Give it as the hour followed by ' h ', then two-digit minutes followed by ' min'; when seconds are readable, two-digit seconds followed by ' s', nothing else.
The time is 8 h 39 min
